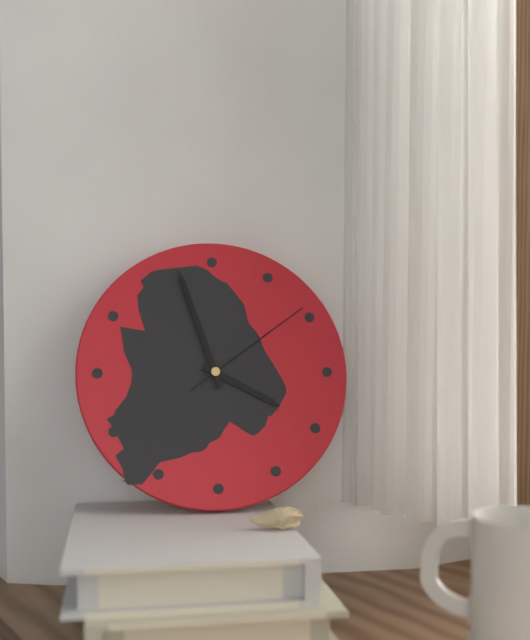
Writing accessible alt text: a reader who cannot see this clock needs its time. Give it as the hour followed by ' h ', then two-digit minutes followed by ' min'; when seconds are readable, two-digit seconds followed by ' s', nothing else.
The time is 3 h 57 min 09 s
